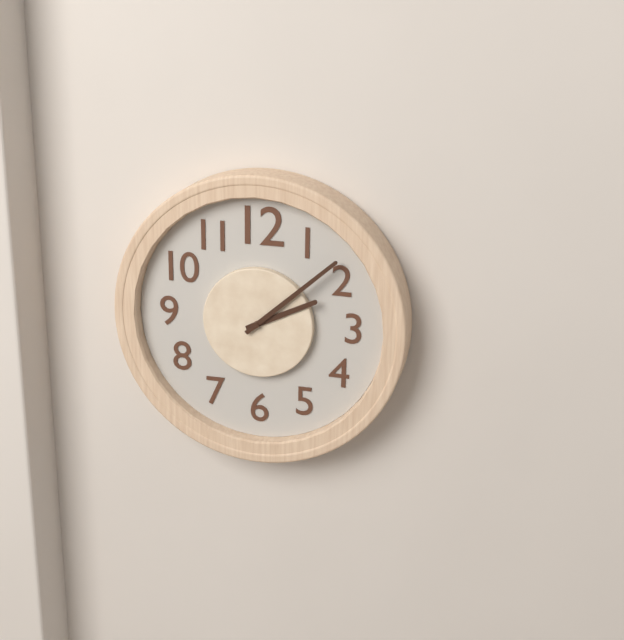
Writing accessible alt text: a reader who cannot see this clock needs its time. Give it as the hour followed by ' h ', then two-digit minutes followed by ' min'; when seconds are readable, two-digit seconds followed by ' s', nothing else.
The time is 2 h 08 min
